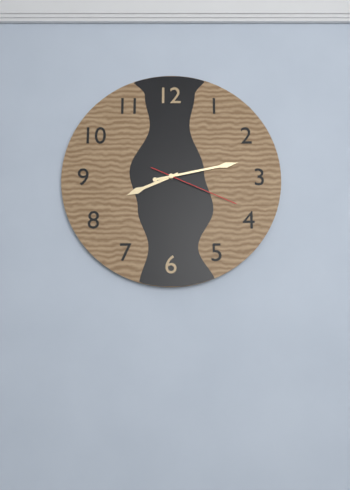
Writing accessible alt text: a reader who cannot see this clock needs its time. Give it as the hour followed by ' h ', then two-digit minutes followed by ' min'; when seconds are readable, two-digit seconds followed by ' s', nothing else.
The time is 8 h 13 min 19 s
